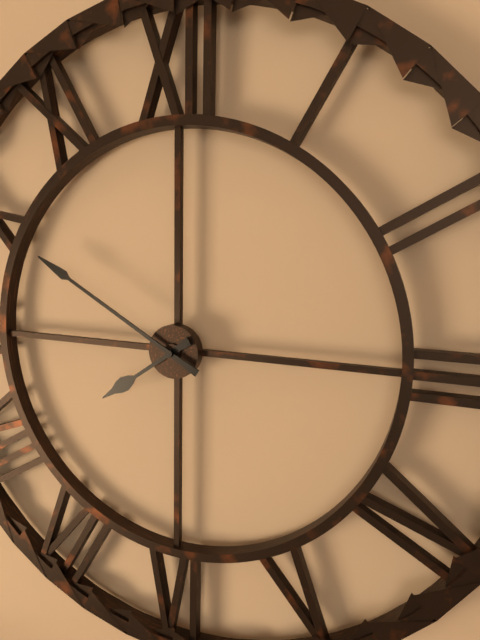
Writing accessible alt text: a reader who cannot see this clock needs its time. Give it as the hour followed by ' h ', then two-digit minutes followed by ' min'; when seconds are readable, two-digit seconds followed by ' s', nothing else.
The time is 7 h 50 min
